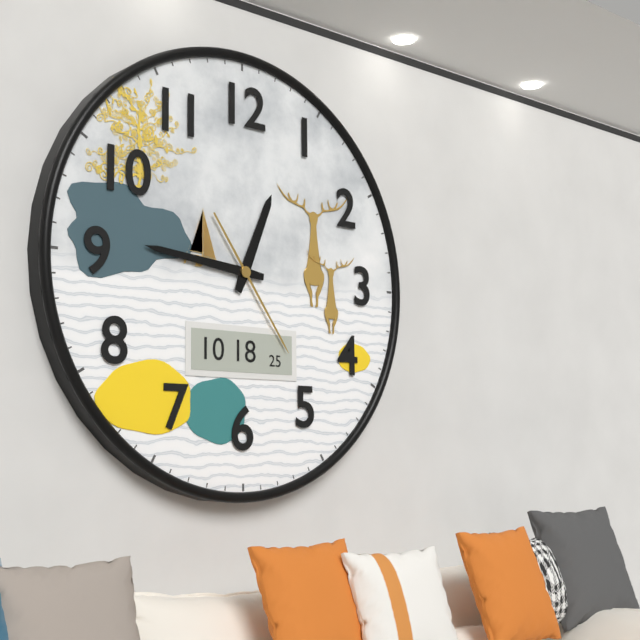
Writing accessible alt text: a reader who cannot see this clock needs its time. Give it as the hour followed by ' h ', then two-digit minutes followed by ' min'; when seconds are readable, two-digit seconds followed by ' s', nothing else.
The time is 12 h 46 min 24 s
